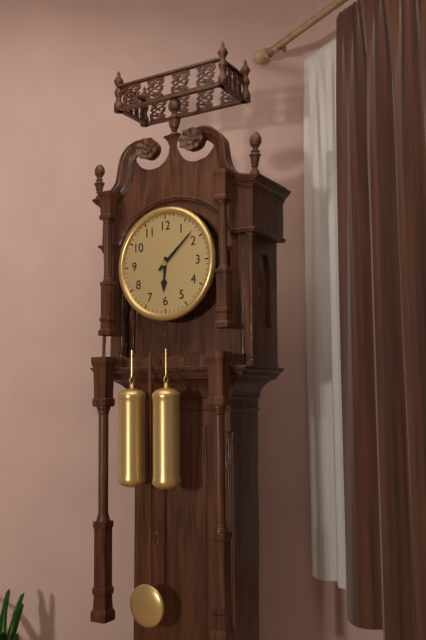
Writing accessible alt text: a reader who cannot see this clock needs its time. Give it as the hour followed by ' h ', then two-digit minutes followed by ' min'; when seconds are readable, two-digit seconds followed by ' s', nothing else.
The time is 6 h 08 min
